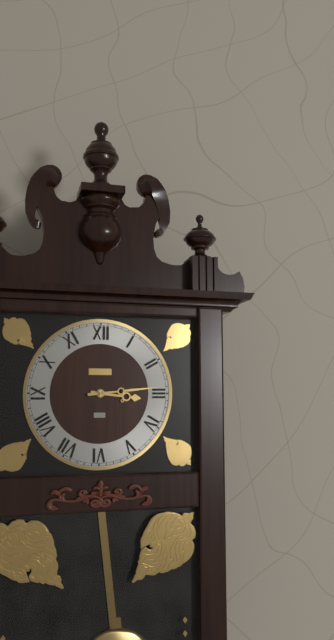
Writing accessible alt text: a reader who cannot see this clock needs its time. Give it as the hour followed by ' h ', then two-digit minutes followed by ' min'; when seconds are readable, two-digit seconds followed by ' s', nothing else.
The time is 3 h 14 min
